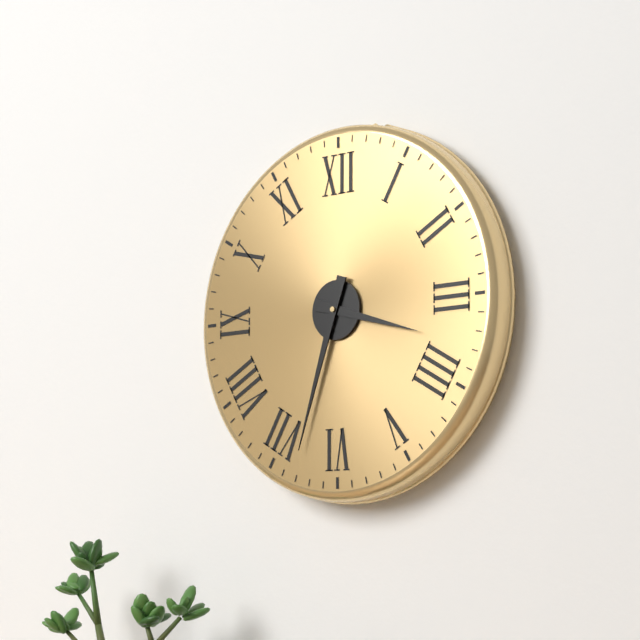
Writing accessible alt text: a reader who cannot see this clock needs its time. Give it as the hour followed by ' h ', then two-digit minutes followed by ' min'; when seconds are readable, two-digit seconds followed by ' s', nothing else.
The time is 3 h 33 min
